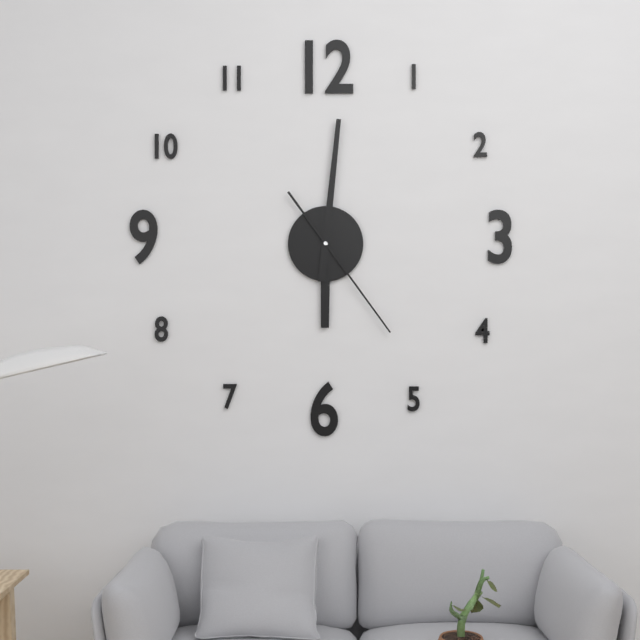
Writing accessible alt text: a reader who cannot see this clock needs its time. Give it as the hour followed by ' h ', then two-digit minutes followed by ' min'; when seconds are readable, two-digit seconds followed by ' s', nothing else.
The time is 6 h 01 min 24 s
